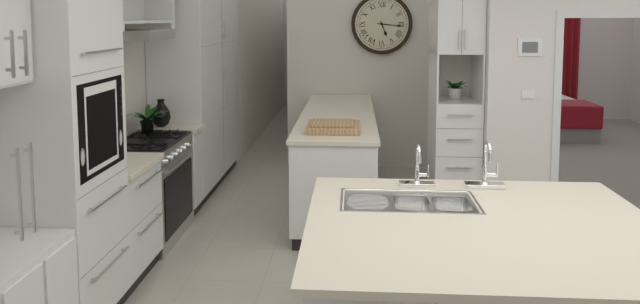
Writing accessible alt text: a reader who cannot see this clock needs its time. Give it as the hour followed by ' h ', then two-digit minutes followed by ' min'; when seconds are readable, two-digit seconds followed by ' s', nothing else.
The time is 5 h 16 min
